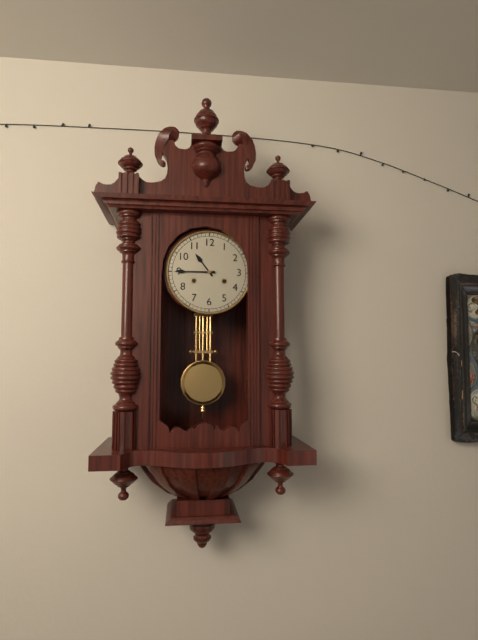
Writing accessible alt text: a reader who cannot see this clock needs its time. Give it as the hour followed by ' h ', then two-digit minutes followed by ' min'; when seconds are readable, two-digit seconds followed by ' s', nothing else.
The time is 10 h 45 min
